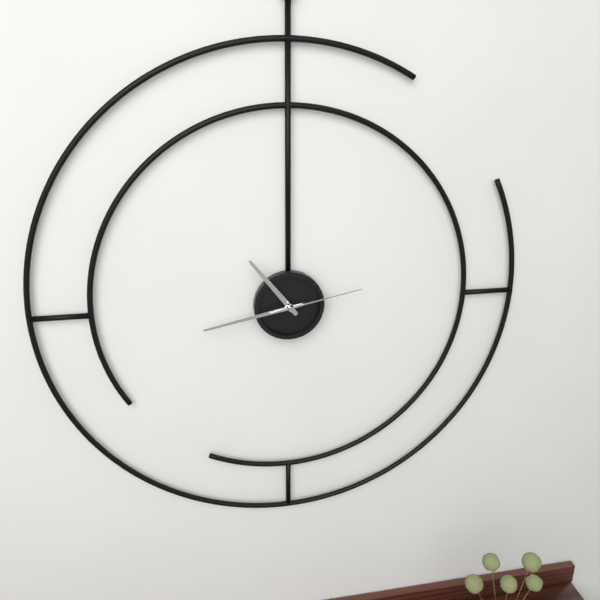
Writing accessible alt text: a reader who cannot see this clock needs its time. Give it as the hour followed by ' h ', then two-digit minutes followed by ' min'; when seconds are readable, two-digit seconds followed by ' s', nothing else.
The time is 10 h 43 min 13 s
